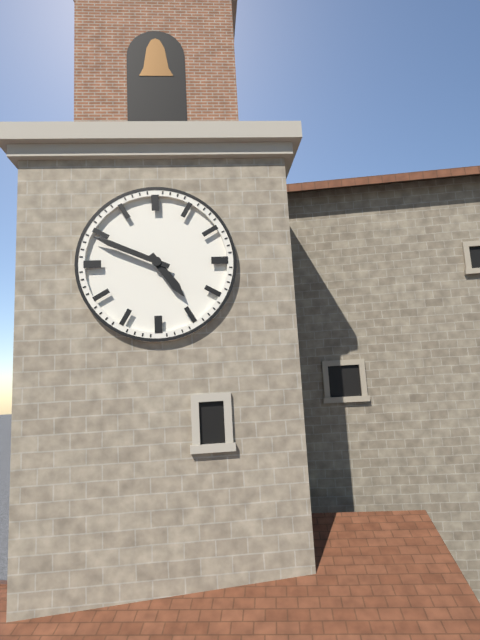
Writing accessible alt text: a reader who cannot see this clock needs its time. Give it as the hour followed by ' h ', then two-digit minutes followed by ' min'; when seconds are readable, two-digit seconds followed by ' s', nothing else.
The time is 4 h 49 min
